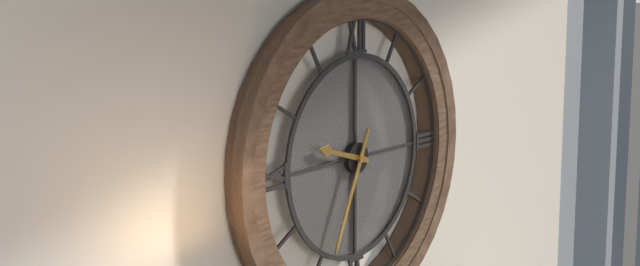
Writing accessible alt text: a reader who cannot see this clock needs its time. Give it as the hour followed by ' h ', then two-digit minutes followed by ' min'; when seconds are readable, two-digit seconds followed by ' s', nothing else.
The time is 9 h 34 min
